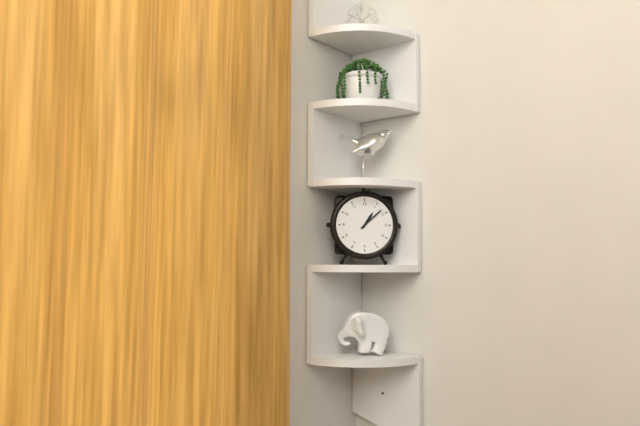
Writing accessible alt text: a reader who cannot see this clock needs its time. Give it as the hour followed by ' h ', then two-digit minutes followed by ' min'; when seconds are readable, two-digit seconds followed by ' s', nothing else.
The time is 1 h 08 min
